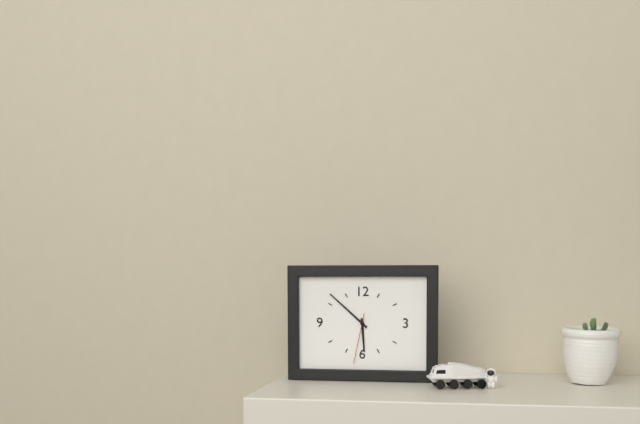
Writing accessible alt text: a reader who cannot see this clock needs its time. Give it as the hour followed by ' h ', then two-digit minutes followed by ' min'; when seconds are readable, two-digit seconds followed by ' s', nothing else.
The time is 5 h 52 min 32 s
